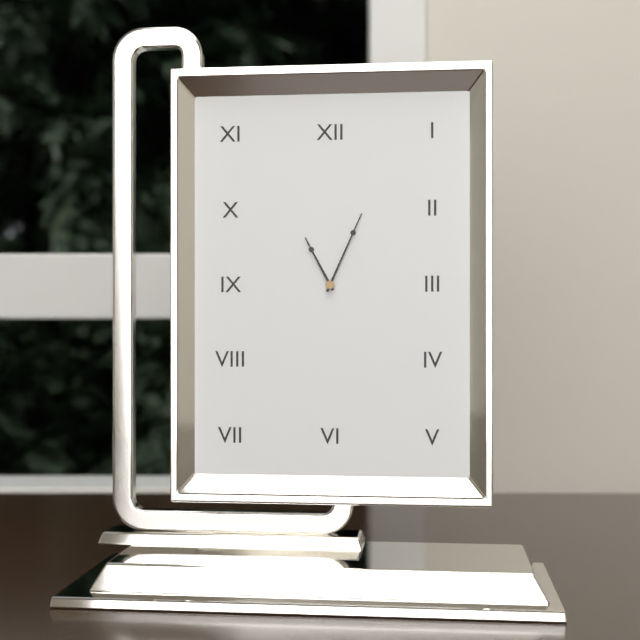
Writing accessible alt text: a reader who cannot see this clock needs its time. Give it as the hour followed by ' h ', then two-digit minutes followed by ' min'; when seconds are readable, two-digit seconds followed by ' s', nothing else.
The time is 11 h 04 min
